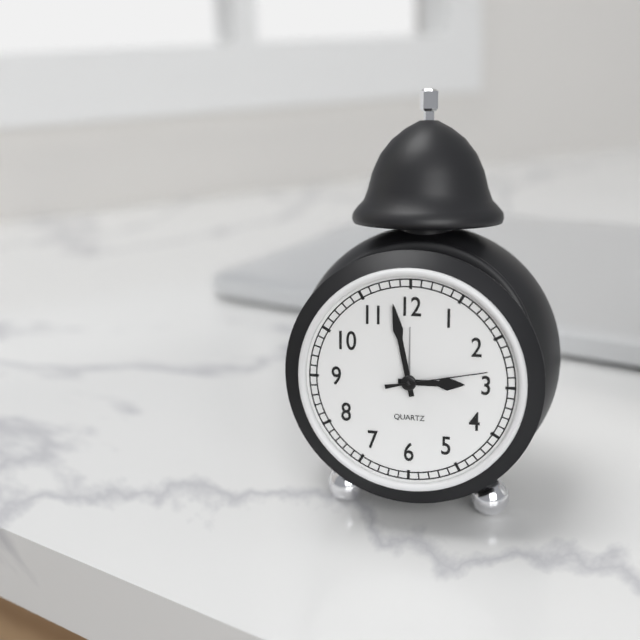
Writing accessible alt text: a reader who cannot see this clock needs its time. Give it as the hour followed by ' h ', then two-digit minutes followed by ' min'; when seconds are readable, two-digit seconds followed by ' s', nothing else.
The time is 2 h 58 min 13 s
